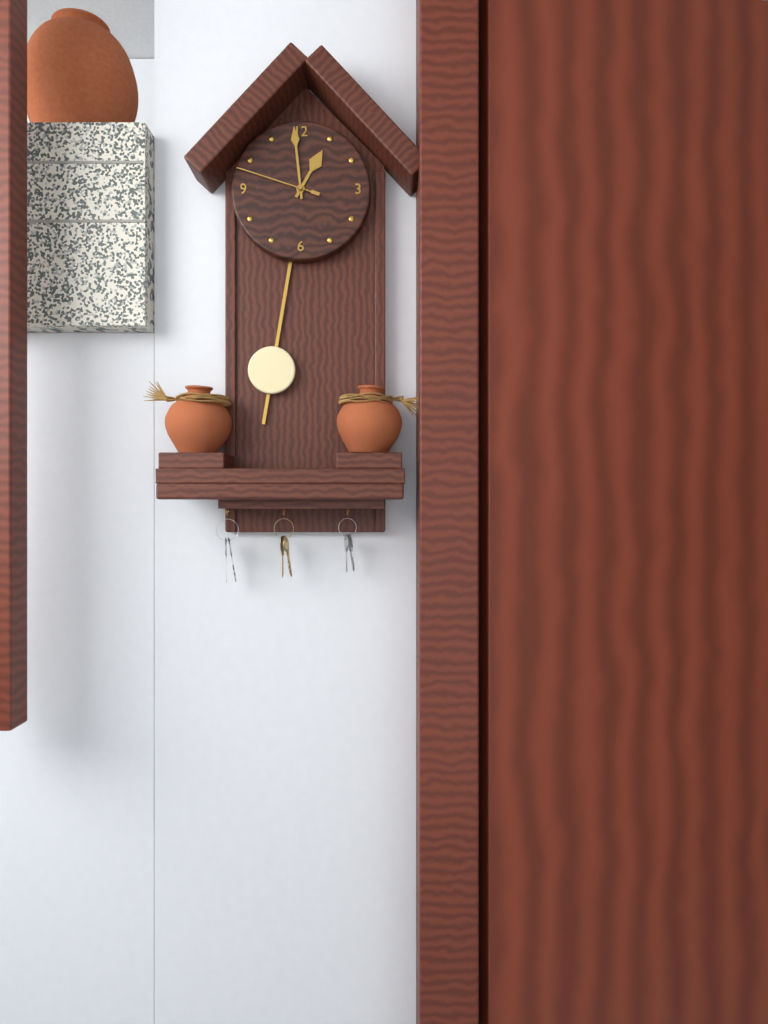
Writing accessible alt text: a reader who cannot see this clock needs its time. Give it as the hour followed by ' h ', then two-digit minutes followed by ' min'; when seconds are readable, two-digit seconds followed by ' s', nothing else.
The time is 12 h 59 min 48 s
